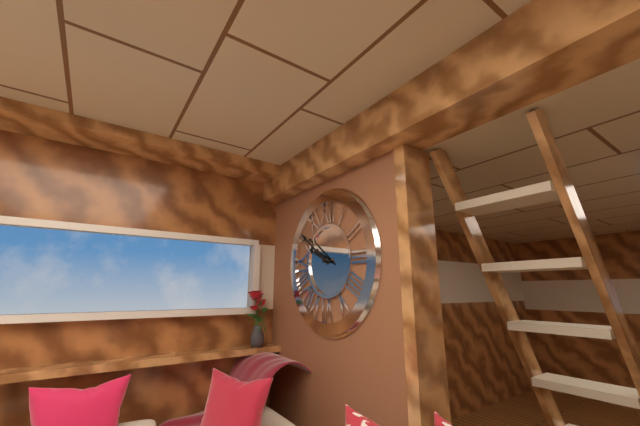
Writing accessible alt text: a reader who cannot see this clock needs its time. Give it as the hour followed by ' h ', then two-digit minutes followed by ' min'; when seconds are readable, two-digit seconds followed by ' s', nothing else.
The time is 9 h 51 min
